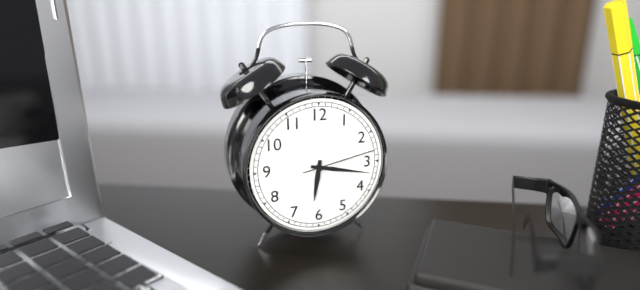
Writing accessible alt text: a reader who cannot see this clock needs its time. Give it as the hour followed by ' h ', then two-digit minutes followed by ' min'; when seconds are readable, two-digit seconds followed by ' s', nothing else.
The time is 6 h 17 min 13 s
